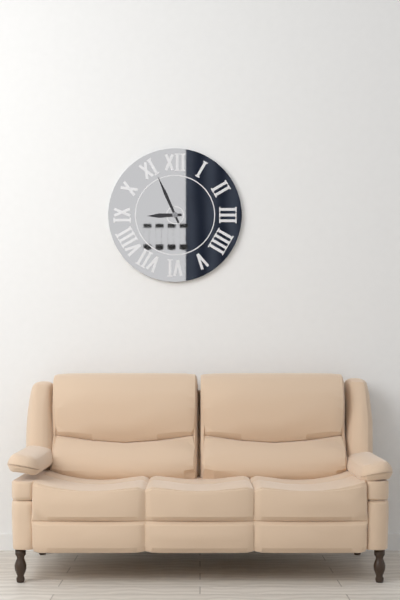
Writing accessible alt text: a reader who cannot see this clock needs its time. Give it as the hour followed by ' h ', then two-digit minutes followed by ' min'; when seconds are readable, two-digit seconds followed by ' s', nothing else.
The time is 8 h 56 min
